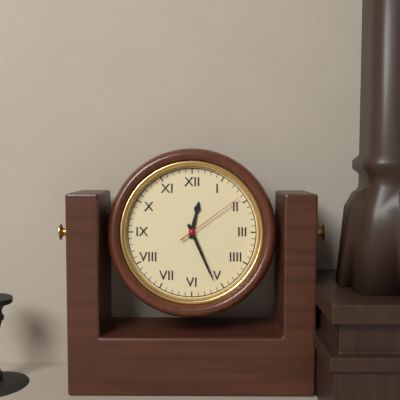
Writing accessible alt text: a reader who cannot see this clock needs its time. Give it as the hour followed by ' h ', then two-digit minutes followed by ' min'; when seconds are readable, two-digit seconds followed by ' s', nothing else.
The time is 12 h 26 min 09 s
